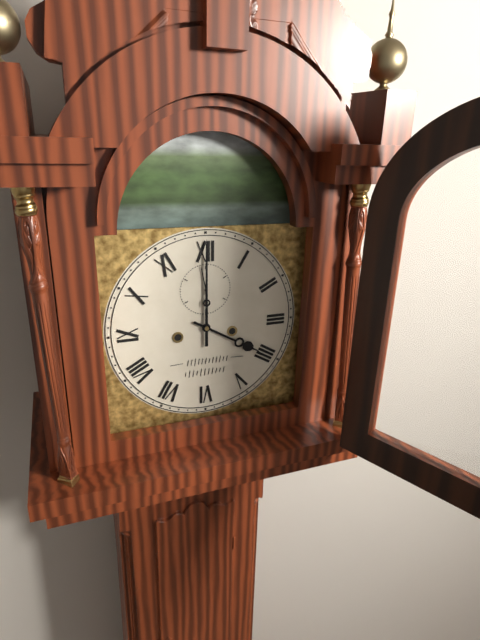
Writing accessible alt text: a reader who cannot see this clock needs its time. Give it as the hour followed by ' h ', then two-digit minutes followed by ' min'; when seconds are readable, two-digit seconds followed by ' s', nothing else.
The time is 4 h 00 min
